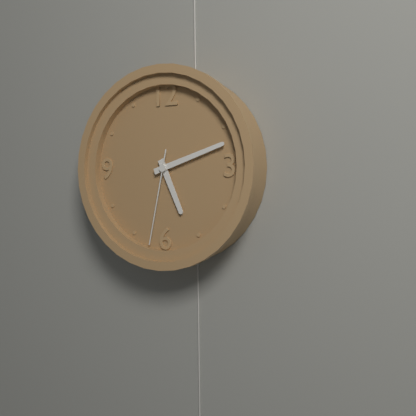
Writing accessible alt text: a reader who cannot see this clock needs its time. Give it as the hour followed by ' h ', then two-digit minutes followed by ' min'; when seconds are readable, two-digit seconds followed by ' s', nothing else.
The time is 5 h 12 min 32 s
